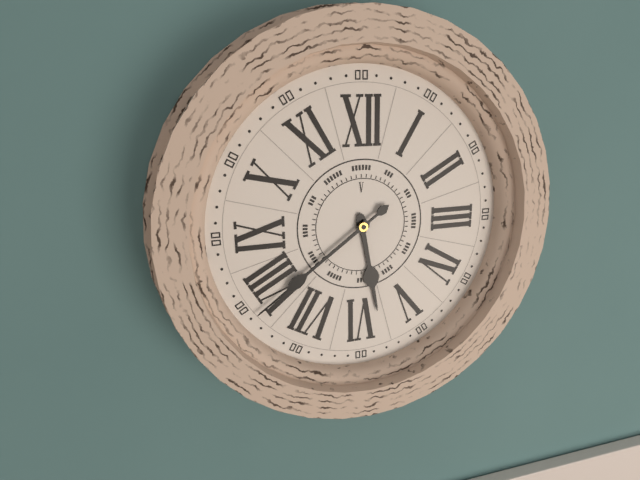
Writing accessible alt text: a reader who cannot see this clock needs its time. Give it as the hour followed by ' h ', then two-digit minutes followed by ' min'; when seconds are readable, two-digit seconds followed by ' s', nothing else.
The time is 5 h 39 min
